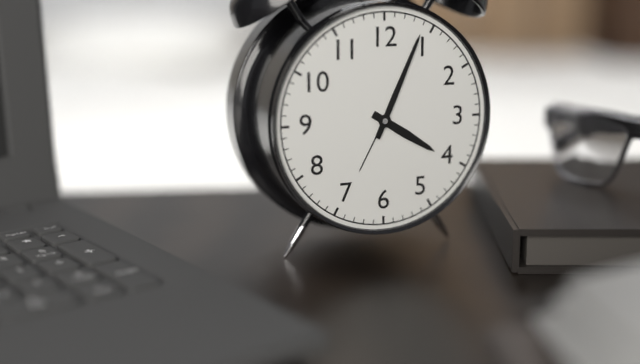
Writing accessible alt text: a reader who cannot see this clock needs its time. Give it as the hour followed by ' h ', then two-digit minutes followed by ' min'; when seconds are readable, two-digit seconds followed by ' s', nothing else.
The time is 4 h 04 min
